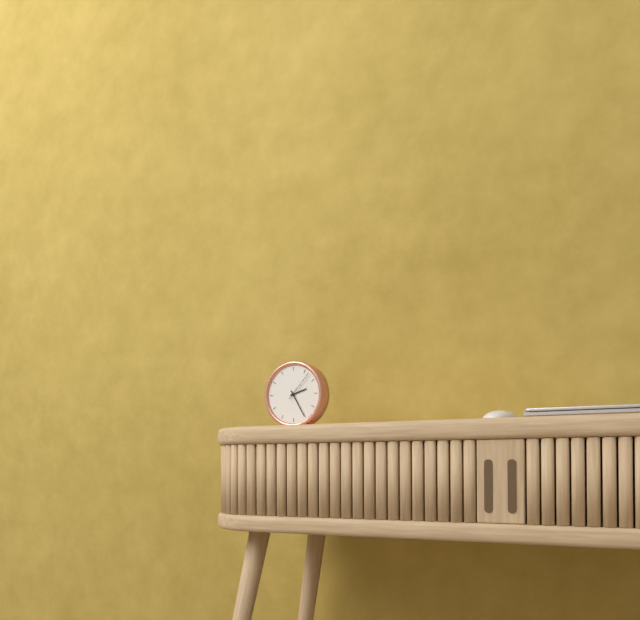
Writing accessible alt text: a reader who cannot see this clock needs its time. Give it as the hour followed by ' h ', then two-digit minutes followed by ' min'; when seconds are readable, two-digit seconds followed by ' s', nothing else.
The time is 2 h 25 min
